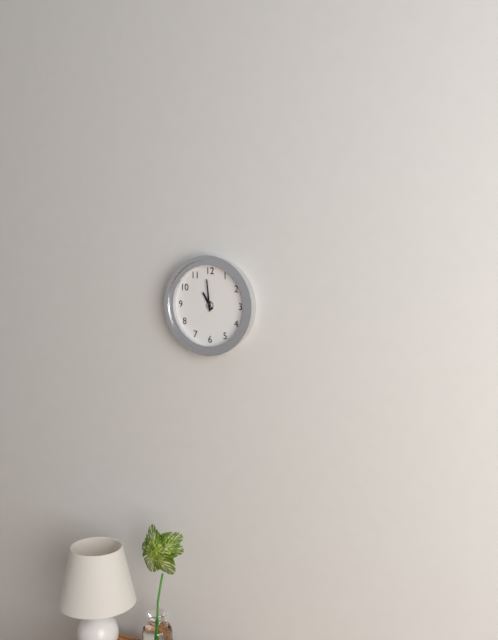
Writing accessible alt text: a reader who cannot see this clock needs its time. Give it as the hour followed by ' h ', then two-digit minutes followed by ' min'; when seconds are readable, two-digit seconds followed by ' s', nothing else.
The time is 10 h 59 min
